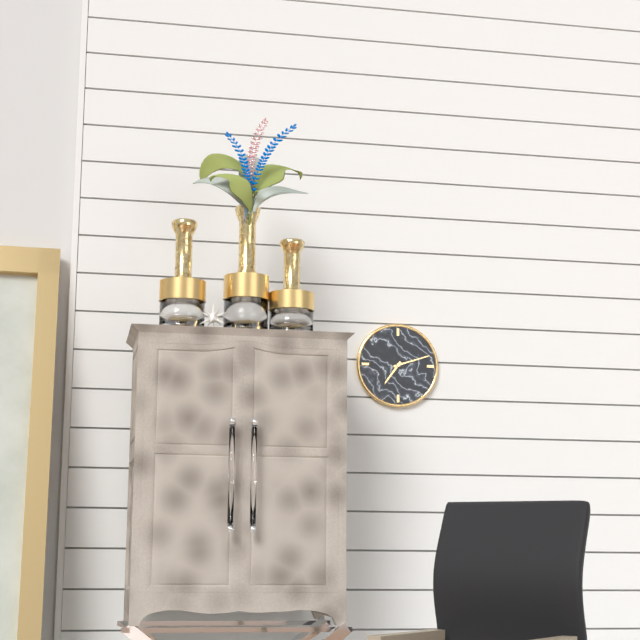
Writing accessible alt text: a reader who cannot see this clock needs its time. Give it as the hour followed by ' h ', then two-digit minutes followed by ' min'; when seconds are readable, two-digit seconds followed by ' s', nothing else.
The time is 7 h 12 min
